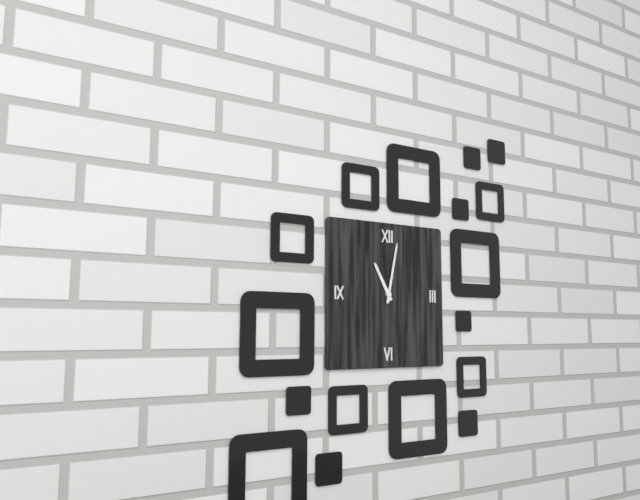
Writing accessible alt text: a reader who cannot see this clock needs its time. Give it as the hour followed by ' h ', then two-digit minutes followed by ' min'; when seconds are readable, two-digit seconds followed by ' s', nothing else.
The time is 11 h 02 min
